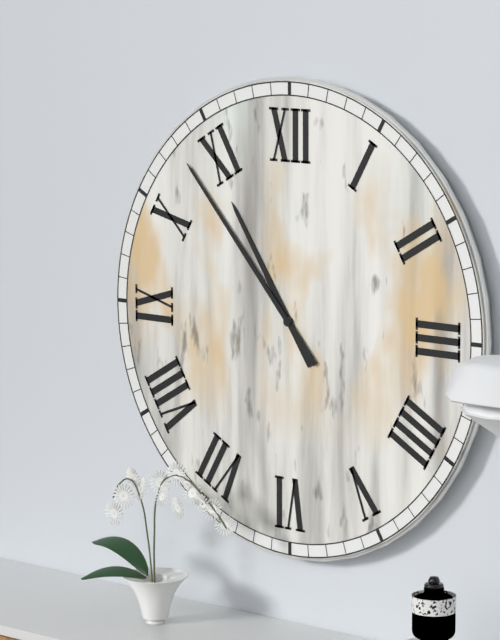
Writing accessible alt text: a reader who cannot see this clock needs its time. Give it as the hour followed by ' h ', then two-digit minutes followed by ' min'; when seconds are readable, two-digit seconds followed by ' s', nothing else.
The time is 10 h 53 min
